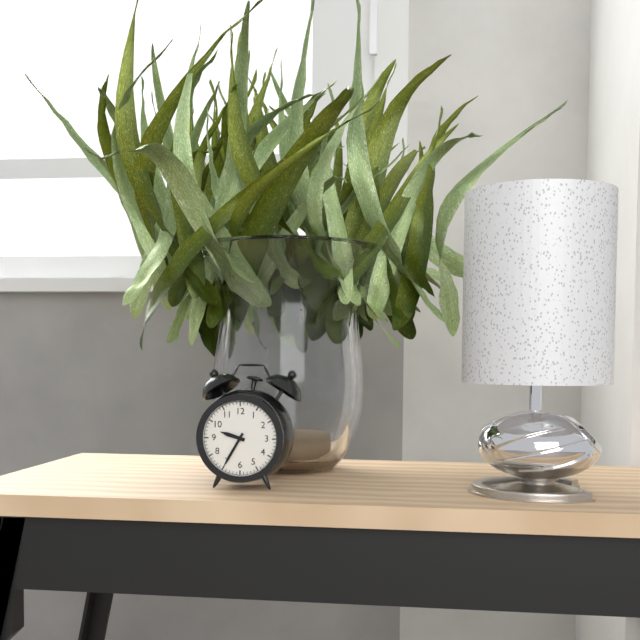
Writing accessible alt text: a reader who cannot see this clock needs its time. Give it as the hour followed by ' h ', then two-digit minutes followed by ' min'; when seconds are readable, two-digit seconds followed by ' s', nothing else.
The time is 9 h 35 min
